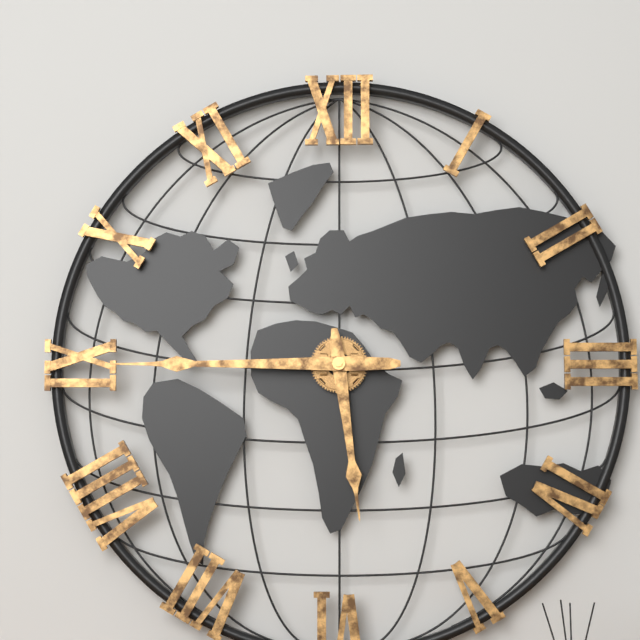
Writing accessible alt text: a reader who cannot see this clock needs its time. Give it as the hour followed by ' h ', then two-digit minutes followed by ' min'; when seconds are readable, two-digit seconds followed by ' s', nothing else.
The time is 5 h 45 min
